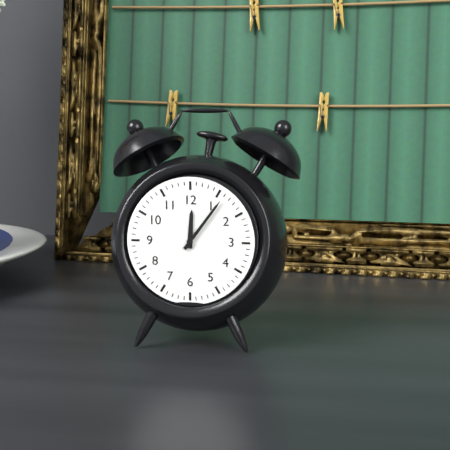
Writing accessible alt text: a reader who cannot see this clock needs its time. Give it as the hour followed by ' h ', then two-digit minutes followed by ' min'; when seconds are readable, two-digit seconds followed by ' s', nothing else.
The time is 12 h 06 min
